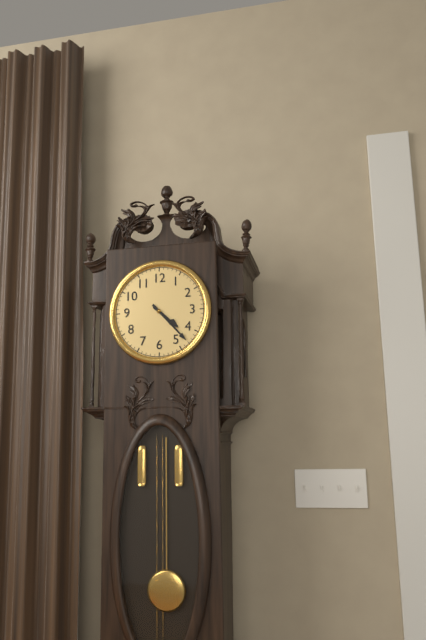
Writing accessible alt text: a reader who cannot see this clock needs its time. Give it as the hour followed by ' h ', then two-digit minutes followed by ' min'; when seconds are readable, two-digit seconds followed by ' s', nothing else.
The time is 4 h 23 min
